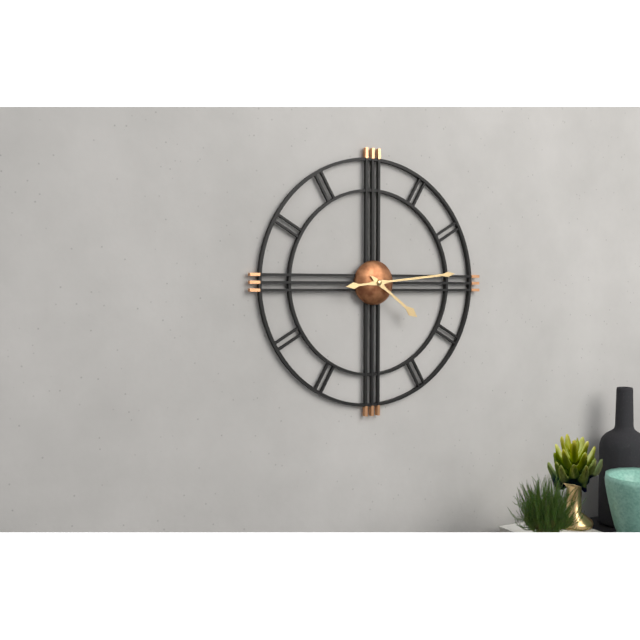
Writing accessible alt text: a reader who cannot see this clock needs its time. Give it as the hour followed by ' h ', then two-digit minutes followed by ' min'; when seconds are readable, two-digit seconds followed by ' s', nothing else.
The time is 4 h 14 min
